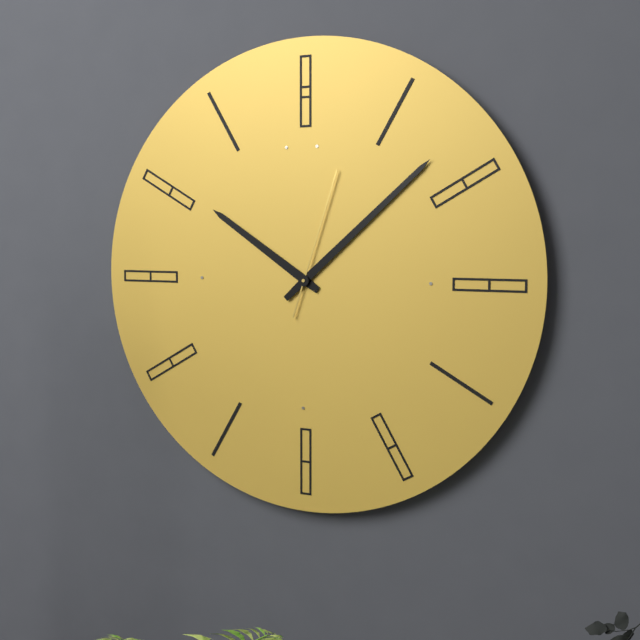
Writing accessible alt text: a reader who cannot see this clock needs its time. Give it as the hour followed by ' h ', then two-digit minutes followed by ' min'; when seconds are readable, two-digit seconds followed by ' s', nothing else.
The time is 10 h 08 min 03 s
